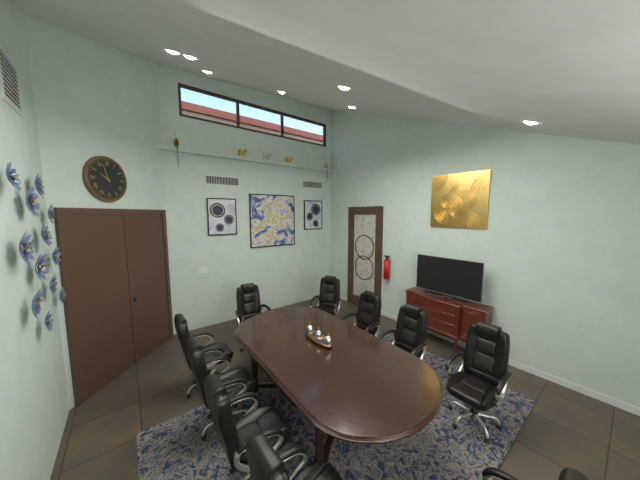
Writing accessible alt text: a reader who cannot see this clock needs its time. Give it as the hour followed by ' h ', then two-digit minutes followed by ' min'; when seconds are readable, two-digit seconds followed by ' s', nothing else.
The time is 9 h 57 min
